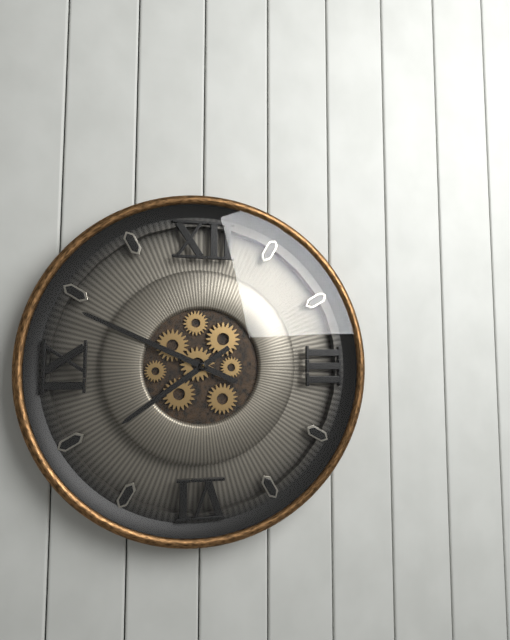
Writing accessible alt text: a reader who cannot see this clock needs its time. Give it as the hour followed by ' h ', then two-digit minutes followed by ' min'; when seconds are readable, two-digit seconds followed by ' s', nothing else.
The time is 7 h 49 min
